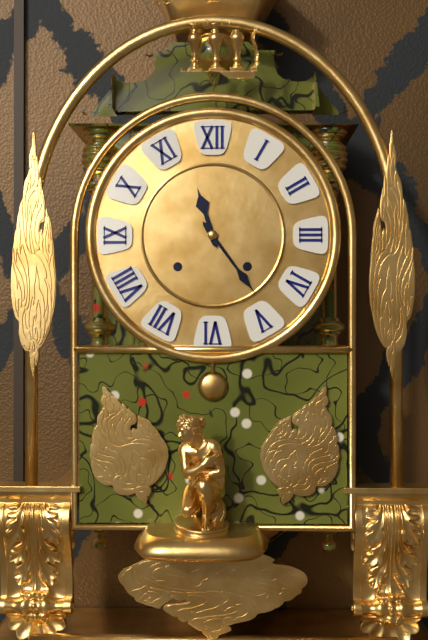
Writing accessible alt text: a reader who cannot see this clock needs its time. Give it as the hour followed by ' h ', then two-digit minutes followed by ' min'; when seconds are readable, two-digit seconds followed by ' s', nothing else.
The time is 11 h 24 min
